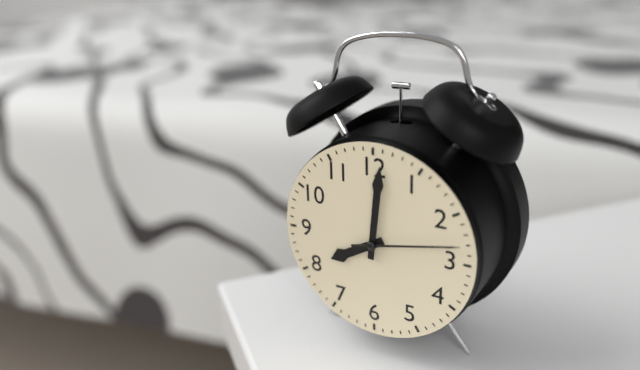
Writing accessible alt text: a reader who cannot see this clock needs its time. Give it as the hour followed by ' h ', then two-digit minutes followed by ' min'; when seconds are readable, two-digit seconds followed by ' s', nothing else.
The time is 8 h 01 min 13 s
